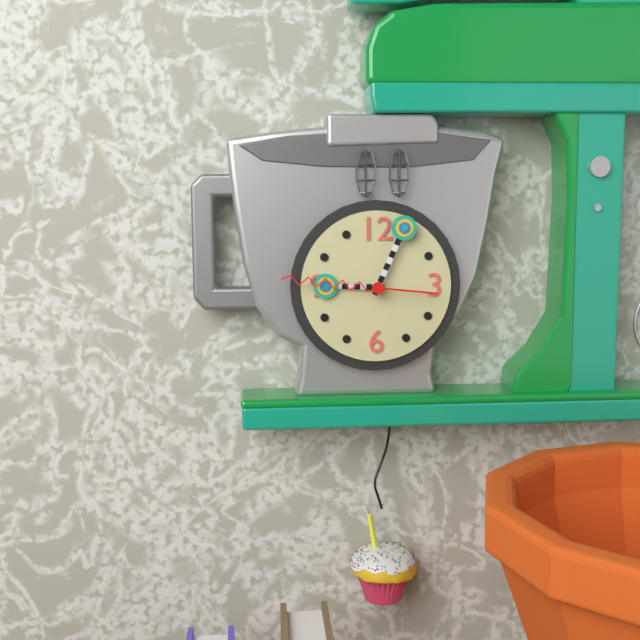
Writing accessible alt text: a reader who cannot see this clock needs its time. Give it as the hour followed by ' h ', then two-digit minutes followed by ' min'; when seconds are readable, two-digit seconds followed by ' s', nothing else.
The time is 9 h 04 min 46 s
